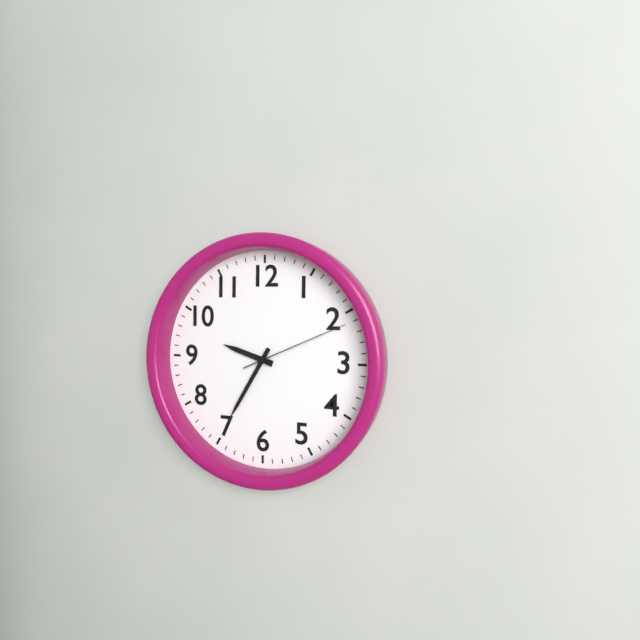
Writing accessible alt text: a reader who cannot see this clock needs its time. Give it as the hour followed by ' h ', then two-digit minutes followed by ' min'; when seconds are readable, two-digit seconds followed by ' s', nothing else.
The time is 9 h 35 min 11 s
